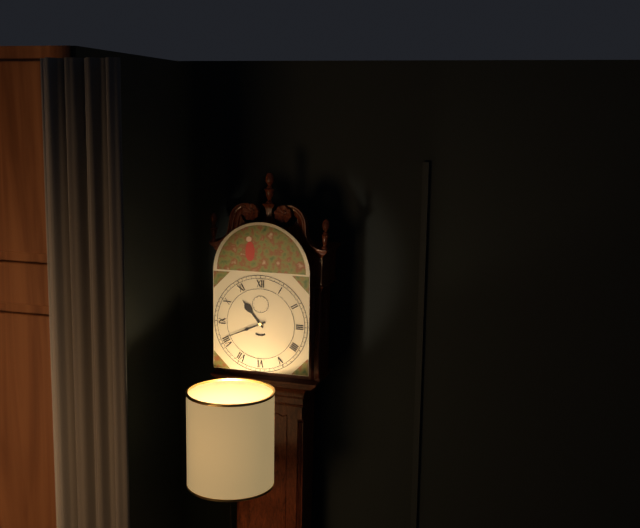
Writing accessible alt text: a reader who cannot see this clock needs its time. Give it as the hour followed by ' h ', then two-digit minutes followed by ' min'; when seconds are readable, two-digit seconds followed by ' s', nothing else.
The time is 10 h 41 min
